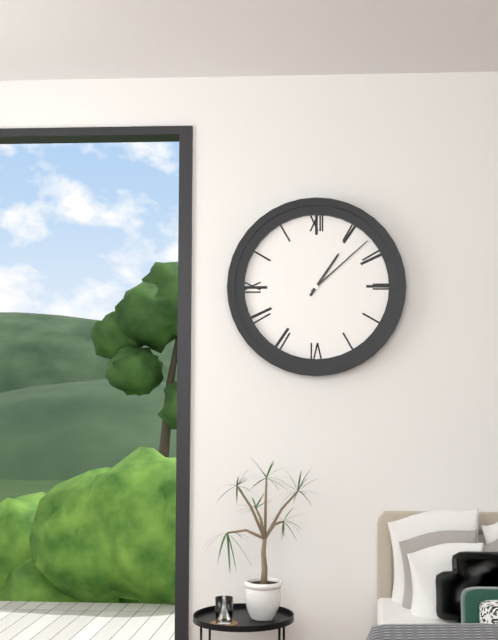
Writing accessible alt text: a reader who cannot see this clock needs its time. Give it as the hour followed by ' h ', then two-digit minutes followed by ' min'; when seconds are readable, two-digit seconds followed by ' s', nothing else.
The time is 1 h 08 min
